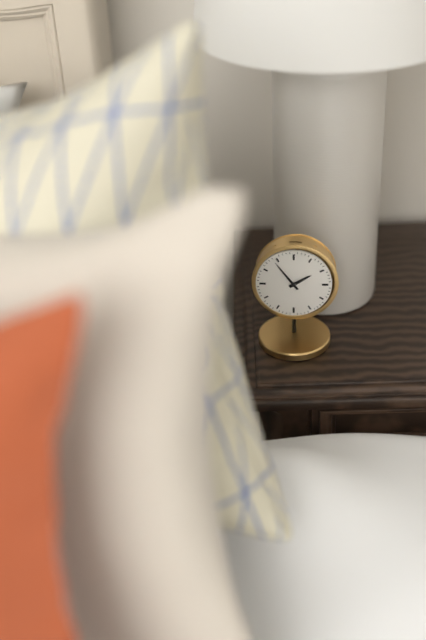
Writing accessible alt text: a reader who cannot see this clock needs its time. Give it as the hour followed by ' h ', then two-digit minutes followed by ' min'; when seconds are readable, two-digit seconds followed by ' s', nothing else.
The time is 1 h 54 min
